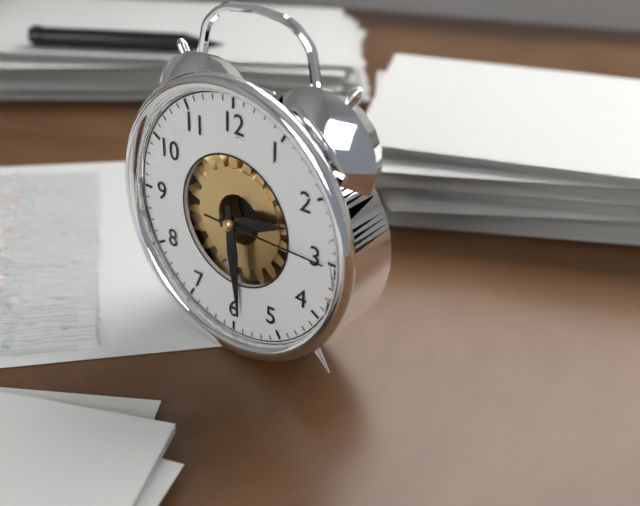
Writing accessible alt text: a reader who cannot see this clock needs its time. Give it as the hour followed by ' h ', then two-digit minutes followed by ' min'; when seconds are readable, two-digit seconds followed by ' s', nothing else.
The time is 2 h 29 min 15 s
